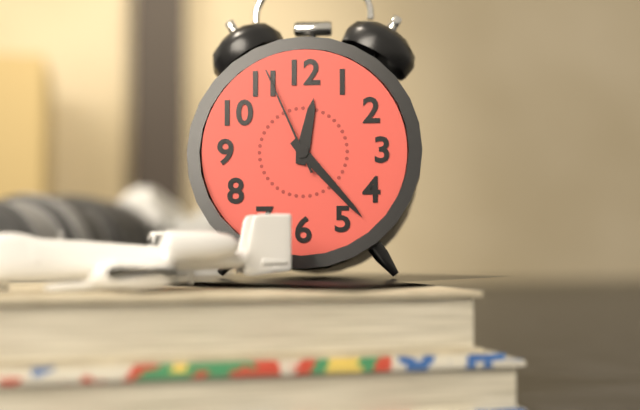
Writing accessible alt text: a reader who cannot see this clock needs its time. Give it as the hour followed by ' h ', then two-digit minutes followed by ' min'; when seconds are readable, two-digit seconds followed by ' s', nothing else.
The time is 12 h 23 min 56 s
